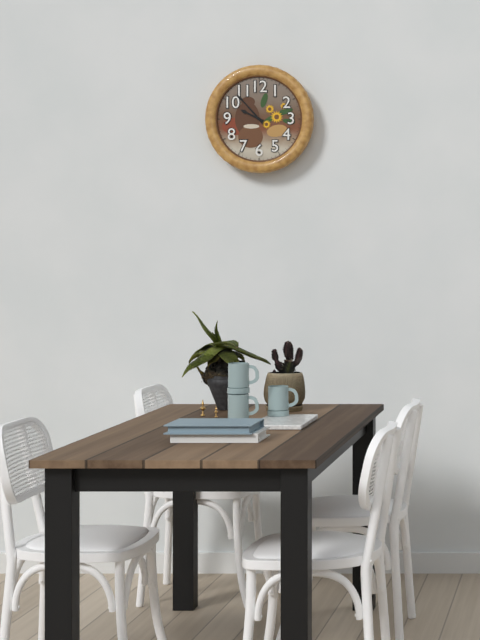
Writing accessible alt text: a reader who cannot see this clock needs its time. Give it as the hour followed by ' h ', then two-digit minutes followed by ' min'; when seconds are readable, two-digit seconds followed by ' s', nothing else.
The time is 9 h 53 min
